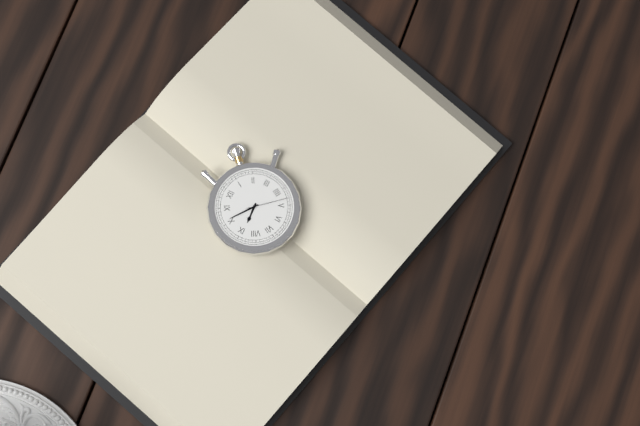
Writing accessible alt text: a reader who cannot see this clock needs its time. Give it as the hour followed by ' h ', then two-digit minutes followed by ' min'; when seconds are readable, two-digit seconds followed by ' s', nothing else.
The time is 8 h 51 min
